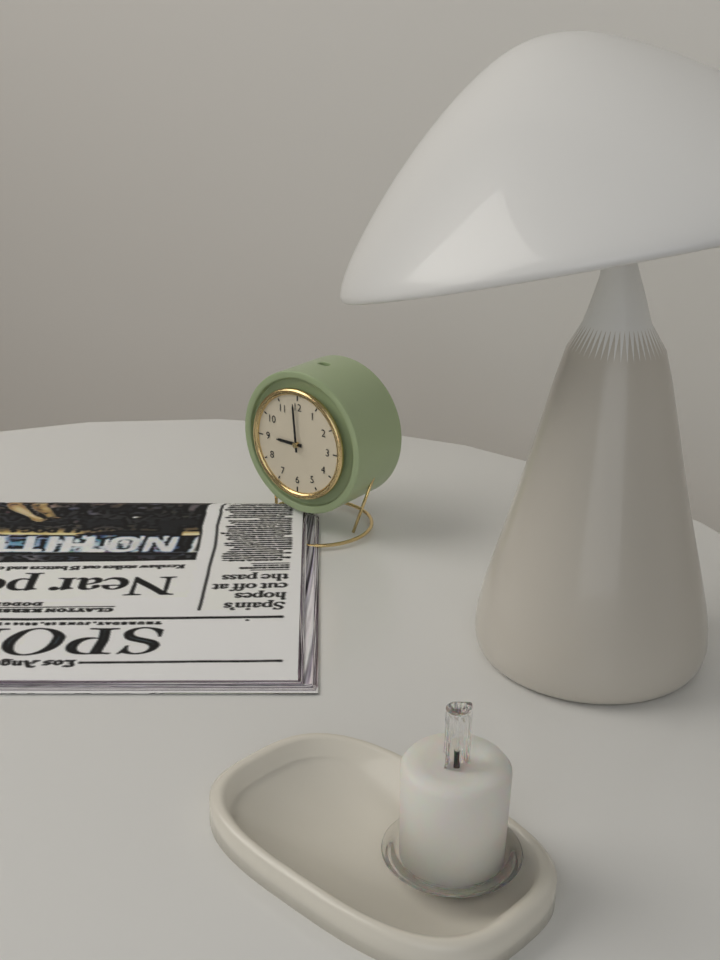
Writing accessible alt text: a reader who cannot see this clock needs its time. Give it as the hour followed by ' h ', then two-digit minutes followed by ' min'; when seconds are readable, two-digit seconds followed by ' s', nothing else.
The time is 8 h 59 min
